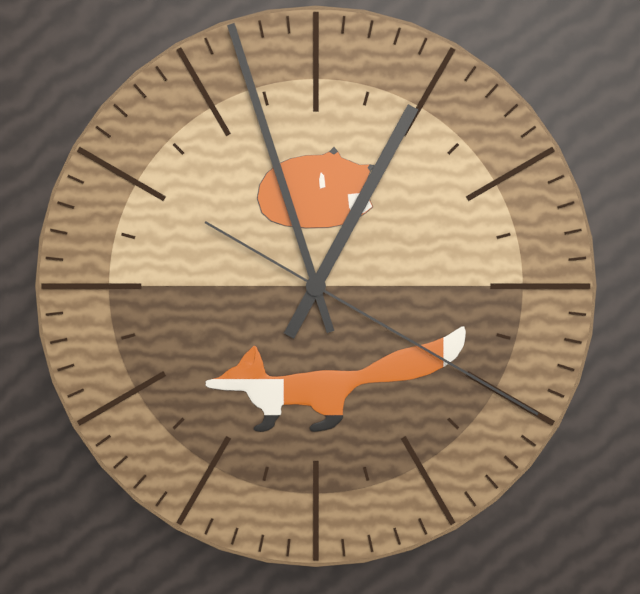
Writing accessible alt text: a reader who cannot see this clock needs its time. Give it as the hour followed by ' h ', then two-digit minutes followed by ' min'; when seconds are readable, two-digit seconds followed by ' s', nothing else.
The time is 12 h 57 min 20 s
